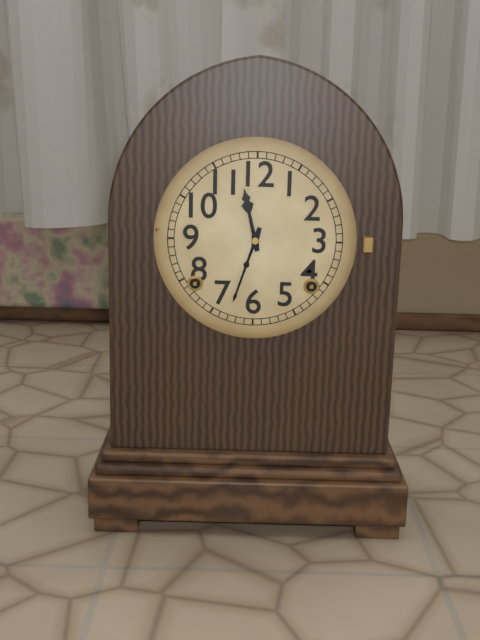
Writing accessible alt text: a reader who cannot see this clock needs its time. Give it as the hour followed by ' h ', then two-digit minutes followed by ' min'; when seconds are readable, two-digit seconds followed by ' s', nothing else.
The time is 11 h 33 min
